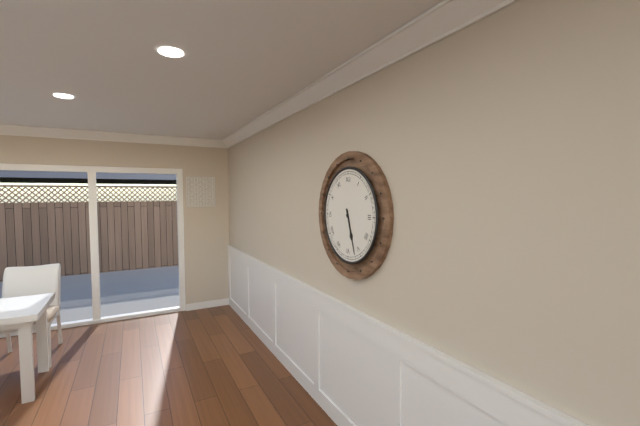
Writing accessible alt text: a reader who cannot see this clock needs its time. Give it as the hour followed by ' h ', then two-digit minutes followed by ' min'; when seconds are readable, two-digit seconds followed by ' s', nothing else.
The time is 5 h 27 min
